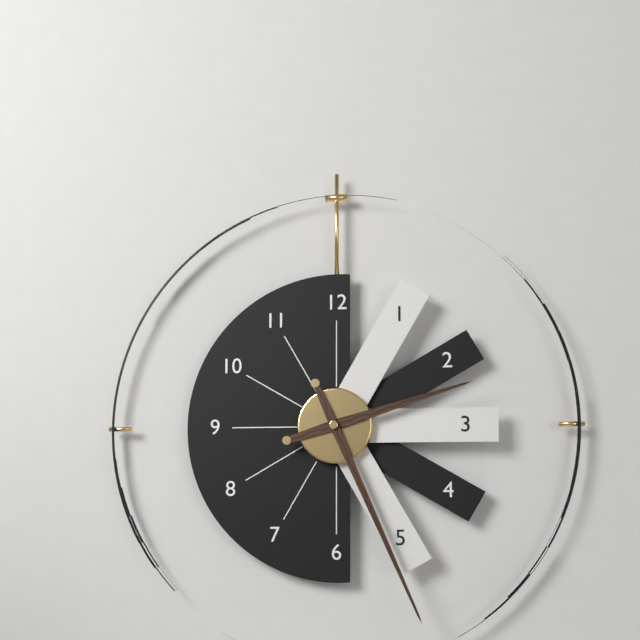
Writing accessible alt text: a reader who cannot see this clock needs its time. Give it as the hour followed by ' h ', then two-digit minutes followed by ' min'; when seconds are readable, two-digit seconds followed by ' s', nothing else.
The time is 2 h 26 min
